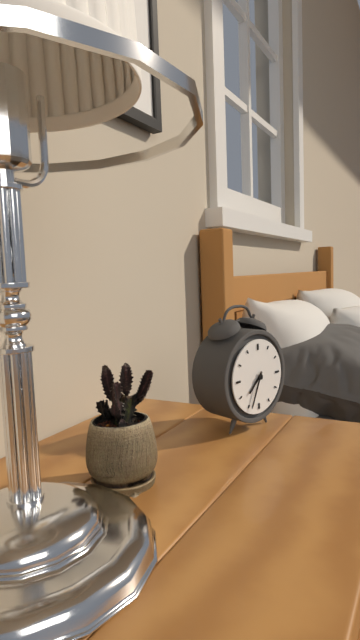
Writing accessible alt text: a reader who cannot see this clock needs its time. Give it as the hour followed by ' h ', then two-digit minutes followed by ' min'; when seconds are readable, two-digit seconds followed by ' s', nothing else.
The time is 7 h 34 min
